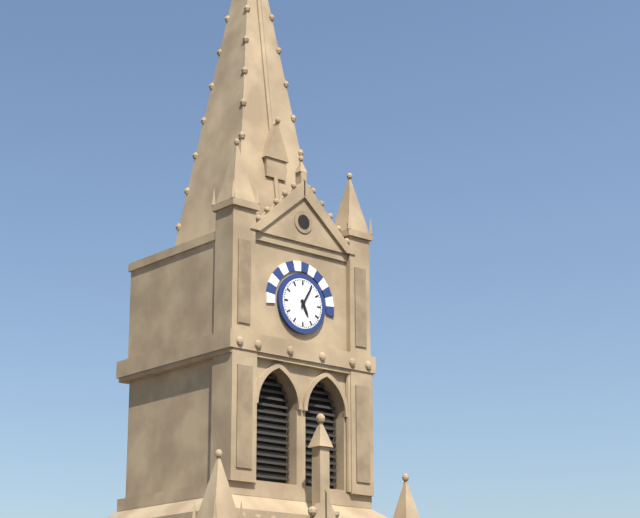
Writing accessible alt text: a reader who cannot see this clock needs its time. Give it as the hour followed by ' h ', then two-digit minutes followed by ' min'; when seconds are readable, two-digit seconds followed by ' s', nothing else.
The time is 5 h 05 min
